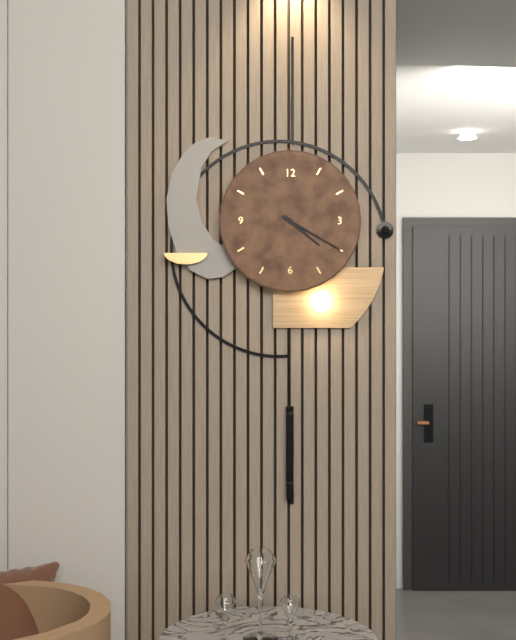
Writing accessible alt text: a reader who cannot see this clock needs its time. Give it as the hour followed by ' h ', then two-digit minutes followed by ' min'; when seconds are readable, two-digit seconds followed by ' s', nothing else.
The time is 4 h 20 min
